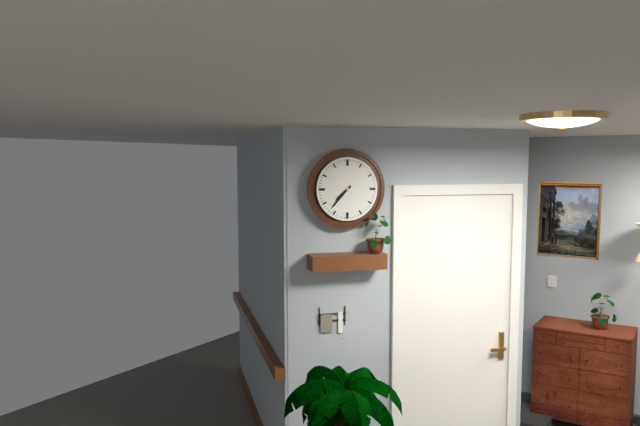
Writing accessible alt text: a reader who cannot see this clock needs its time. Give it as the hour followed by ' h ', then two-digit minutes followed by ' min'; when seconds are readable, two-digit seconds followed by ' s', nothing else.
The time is 7 h 37 min
